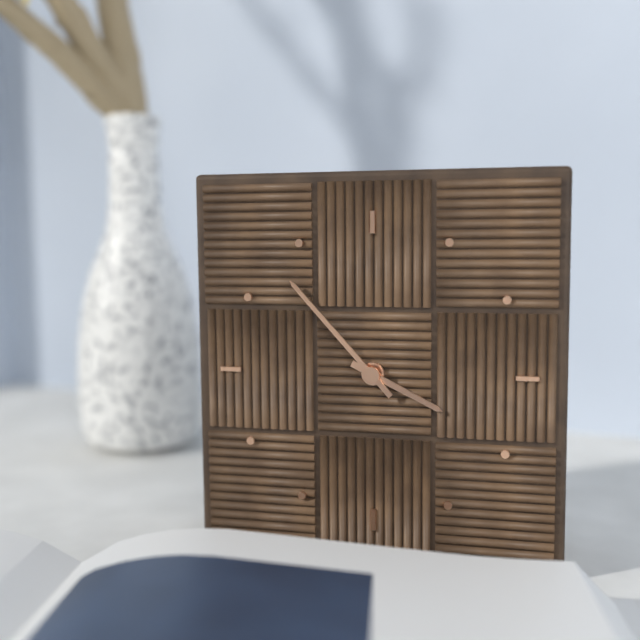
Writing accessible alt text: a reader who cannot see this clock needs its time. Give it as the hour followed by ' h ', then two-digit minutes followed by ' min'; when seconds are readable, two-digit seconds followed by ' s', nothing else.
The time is 3 h 53 min
